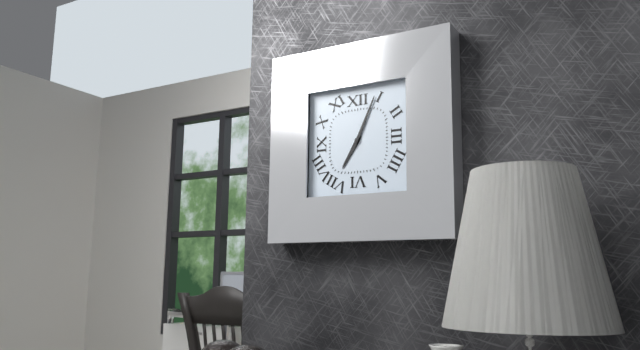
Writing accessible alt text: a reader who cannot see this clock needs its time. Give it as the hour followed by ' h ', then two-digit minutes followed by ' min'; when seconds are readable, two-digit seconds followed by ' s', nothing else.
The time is 7 h 04 min
